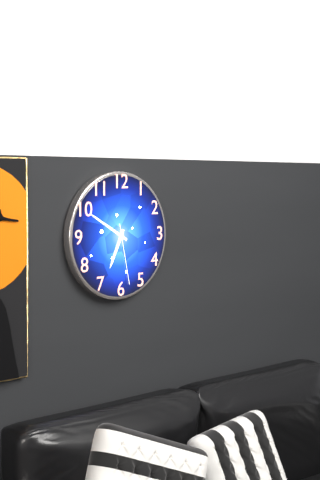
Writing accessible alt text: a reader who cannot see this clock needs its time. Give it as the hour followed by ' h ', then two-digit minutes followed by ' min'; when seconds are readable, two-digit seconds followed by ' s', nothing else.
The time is 6 h 50 min 28 s
